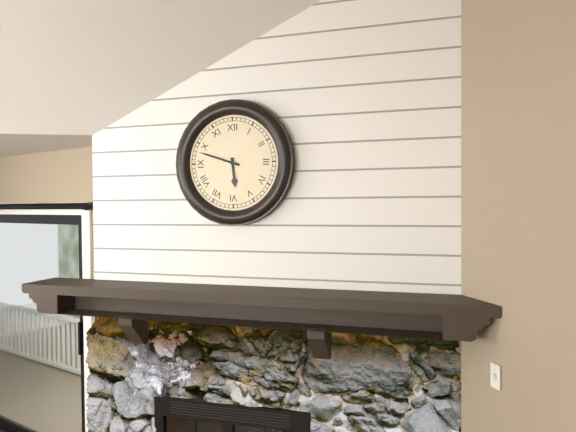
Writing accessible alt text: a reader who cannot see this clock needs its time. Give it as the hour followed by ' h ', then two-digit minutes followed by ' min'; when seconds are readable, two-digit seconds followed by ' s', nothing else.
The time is 5 h 48 min
